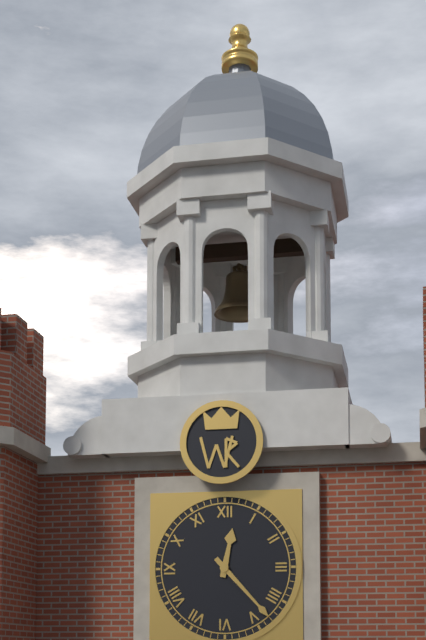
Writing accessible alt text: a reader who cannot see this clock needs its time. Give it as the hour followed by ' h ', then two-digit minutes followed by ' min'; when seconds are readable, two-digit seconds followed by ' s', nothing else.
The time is 12 h 23 min
